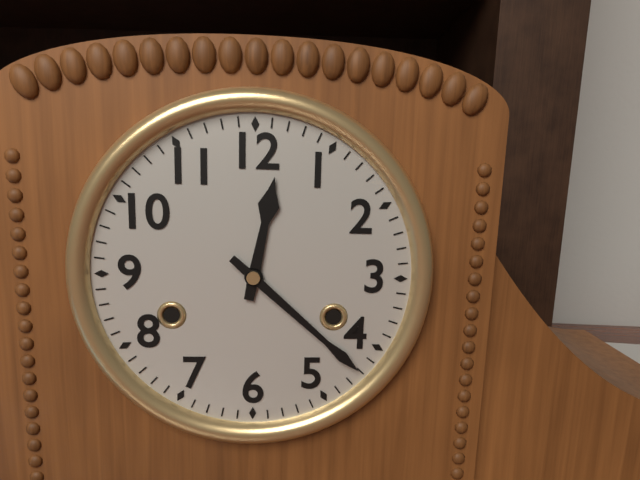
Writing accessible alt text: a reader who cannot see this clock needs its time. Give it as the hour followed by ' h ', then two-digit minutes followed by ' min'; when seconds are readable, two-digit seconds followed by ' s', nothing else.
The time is 12 h 22 min
